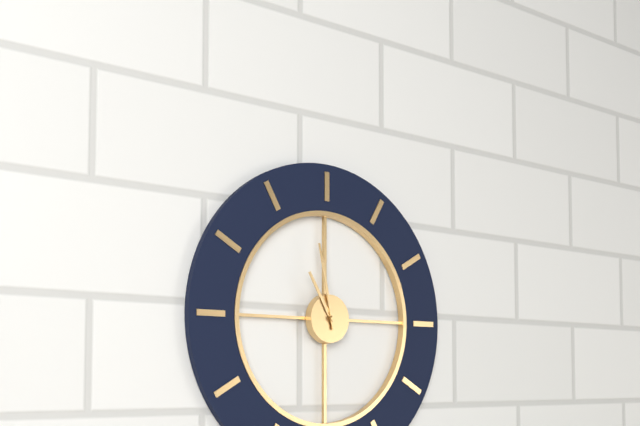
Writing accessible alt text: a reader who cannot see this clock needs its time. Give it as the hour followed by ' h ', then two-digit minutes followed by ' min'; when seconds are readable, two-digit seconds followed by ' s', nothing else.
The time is 10 h 58 min
